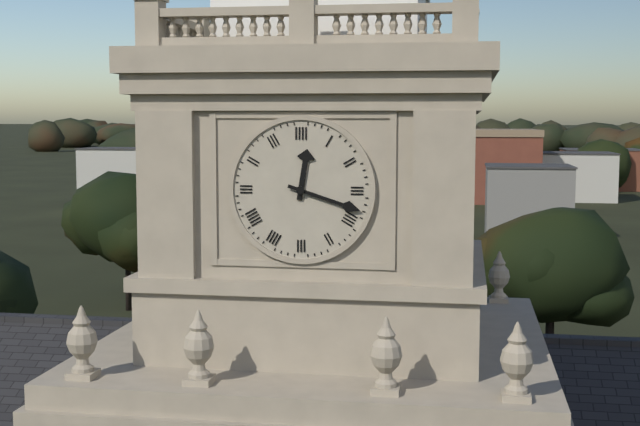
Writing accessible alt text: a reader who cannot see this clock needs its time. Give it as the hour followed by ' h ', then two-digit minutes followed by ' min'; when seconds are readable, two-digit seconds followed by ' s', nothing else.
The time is 12 h 18 min
